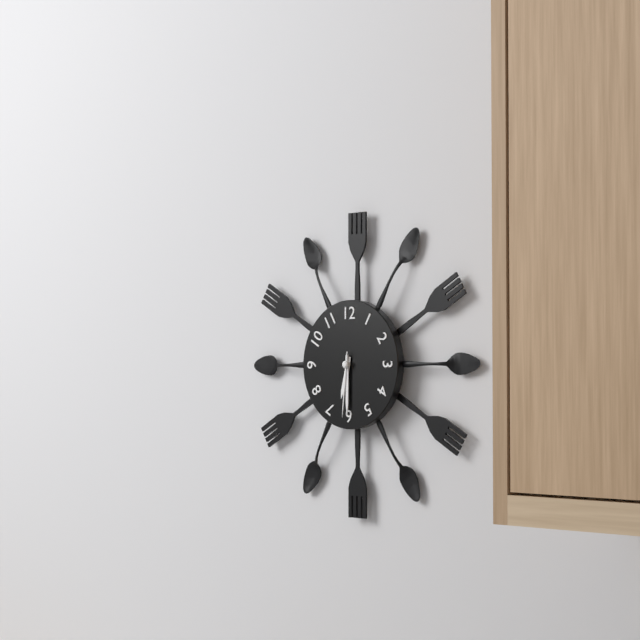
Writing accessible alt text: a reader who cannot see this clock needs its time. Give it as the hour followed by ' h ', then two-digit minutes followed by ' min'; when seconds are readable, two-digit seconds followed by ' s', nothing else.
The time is 6 h 30 min 31 s
